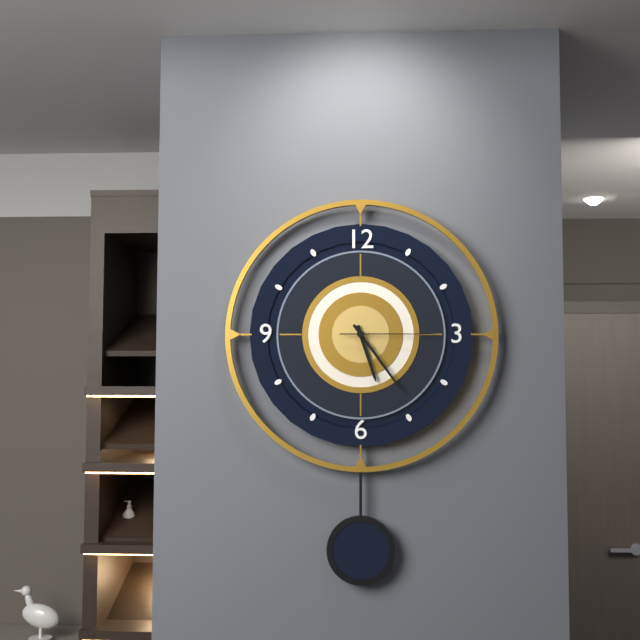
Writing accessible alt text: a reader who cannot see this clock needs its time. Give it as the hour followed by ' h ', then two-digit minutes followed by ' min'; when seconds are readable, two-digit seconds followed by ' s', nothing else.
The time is 5 h 24 min 15 s
